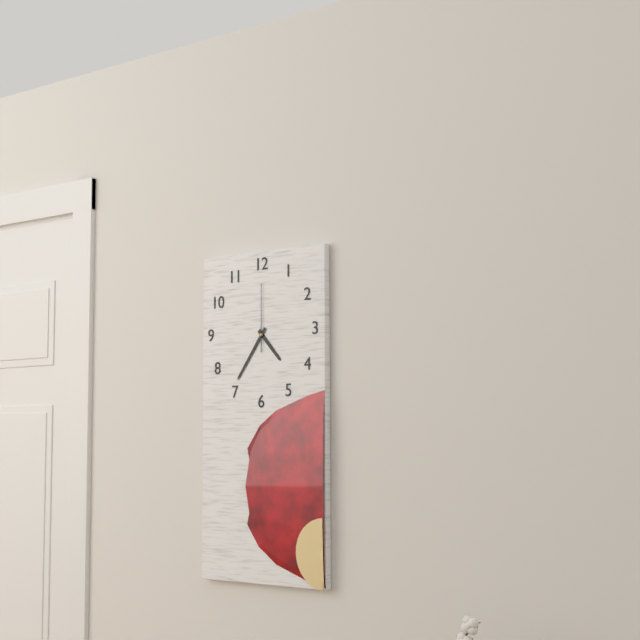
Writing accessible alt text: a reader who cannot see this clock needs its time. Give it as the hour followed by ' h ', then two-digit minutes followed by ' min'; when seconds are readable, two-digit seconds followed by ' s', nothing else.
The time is 4 h 36 min 00 s
